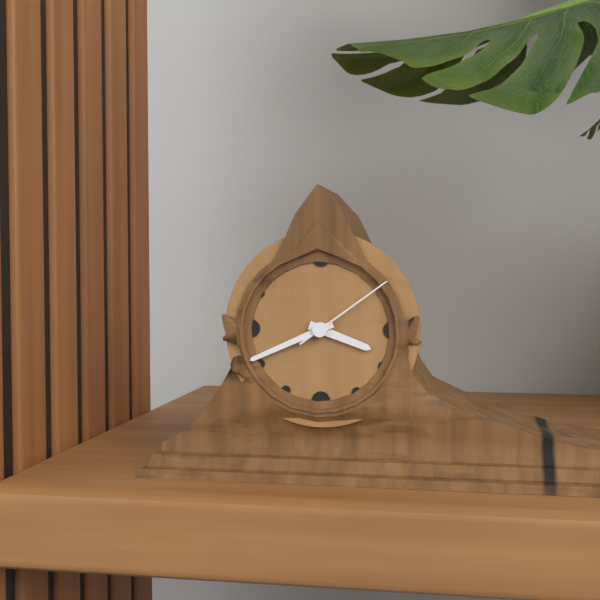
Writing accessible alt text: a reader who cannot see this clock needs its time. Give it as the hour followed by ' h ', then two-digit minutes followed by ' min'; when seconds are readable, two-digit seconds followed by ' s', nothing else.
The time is 3 h 41 min 09 s
